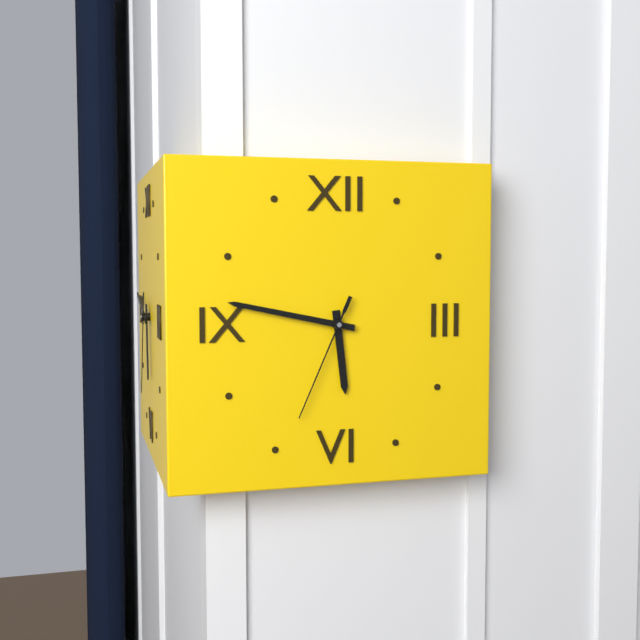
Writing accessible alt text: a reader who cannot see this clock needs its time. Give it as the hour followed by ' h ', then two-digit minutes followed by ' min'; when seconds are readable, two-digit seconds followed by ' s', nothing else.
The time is 5 h 47 min 34 s
